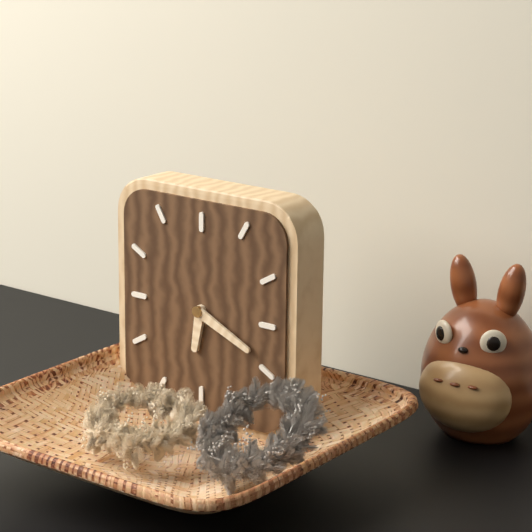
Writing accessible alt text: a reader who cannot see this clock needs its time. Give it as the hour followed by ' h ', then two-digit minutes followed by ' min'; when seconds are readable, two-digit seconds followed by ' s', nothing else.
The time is 6 h 19 min
